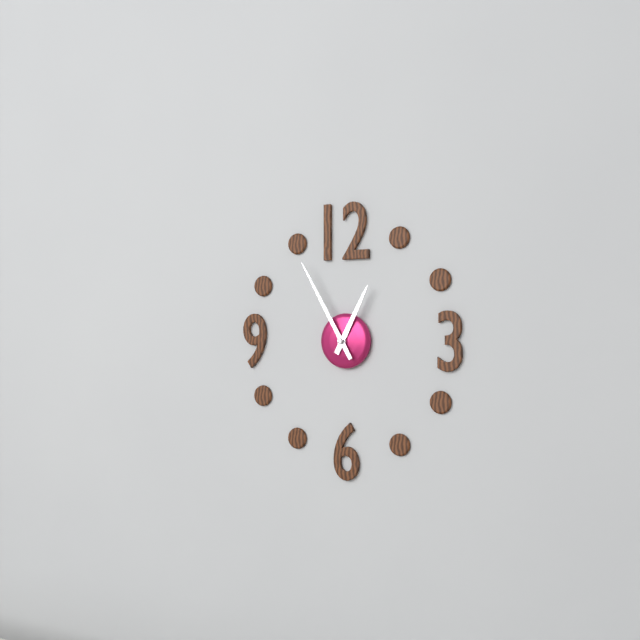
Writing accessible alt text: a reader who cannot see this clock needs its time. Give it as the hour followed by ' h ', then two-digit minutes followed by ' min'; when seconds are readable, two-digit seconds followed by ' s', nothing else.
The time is 12 h 55 min
